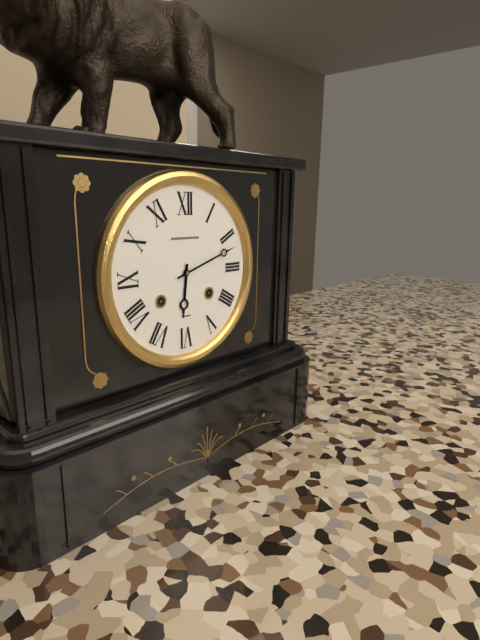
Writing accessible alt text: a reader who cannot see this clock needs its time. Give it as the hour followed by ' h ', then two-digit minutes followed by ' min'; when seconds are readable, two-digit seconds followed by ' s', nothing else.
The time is 6 h 12 min
